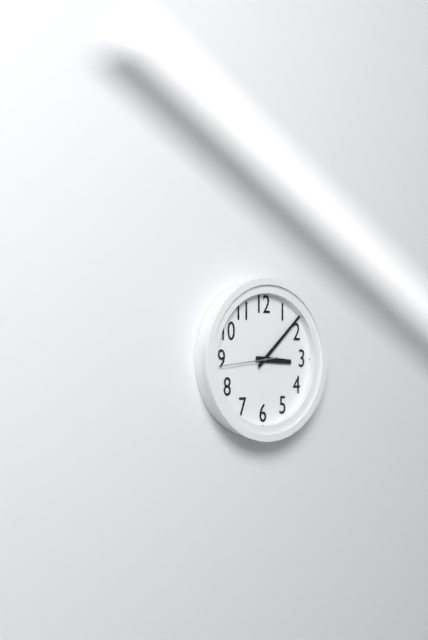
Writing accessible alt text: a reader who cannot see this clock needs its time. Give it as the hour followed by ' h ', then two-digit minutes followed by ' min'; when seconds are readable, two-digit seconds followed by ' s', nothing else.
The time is 3 h 08 min 44 s
